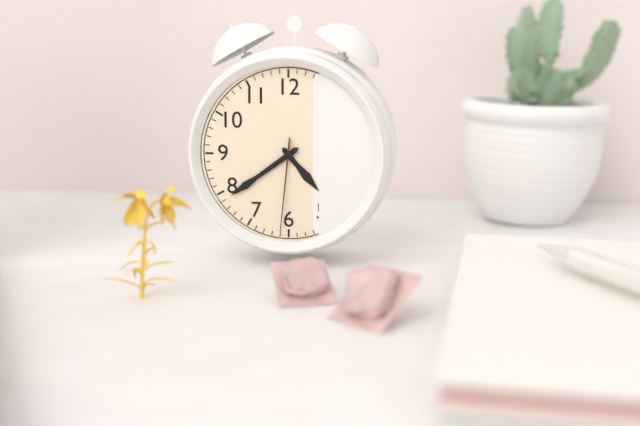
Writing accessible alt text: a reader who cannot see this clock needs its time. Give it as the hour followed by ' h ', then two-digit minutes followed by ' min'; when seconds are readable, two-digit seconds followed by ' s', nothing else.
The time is 4 h 39 min 31 s
